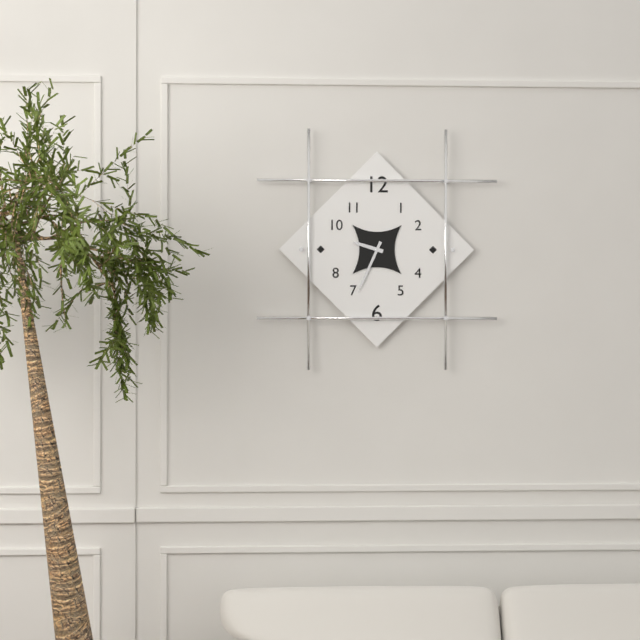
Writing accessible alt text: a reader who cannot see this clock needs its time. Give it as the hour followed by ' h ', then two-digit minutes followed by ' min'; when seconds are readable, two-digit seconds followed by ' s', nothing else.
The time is 9 h 34 min
